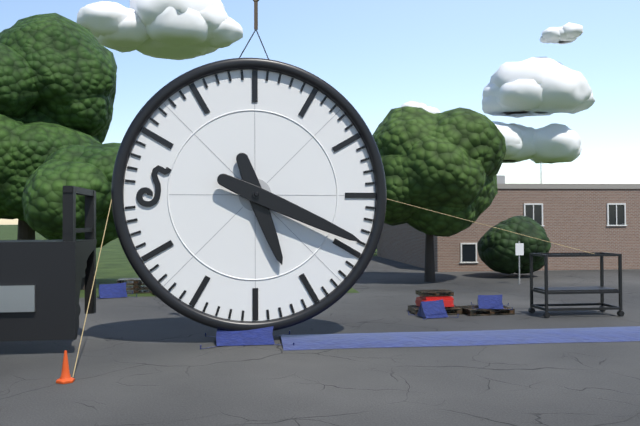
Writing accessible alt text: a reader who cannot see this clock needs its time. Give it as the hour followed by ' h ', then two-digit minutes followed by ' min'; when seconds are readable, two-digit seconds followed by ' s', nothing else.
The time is 5 h 19 min
